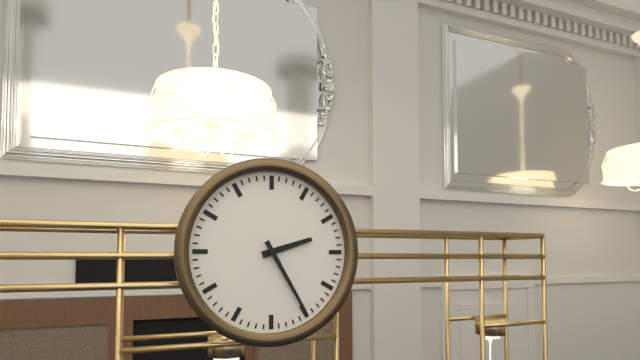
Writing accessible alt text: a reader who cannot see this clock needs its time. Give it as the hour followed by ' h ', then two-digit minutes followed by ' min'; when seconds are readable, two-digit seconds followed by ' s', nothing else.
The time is 2 h 25 min
